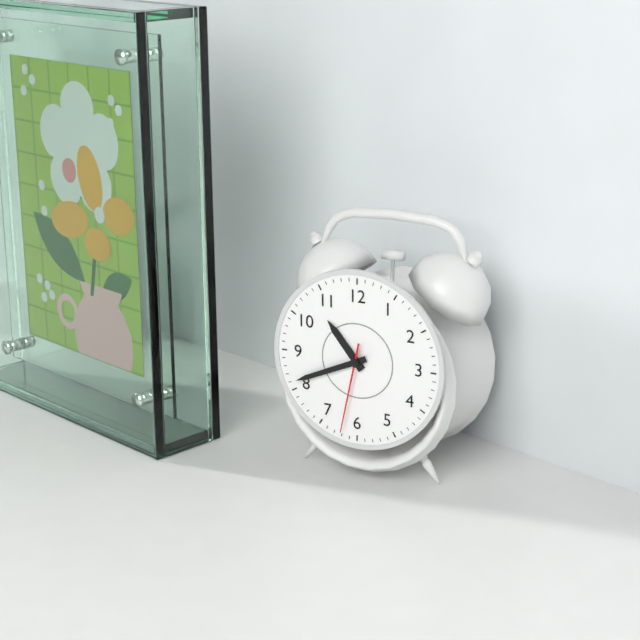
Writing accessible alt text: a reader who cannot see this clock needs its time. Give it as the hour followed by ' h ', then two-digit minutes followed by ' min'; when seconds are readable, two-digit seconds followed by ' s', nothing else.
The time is 10 h 41 min 32 s
